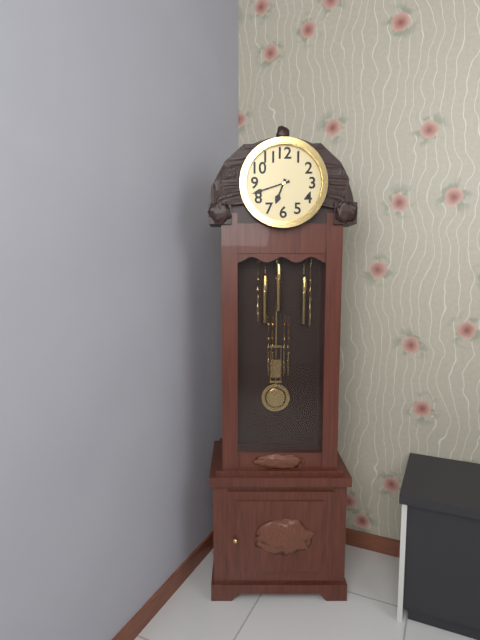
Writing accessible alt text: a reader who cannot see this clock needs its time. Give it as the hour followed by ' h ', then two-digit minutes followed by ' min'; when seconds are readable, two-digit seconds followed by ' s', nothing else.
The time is 6 h 42 min
